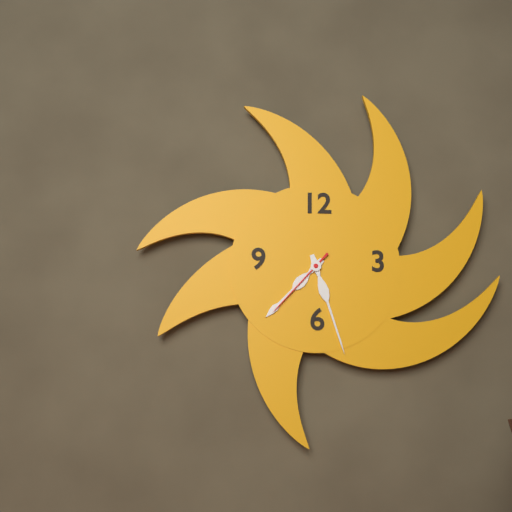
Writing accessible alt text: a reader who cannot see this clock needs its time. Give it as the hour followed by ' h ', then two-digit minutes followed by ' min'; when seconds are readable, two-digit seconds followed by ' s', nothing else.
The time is 7 h 27 min 37 s
